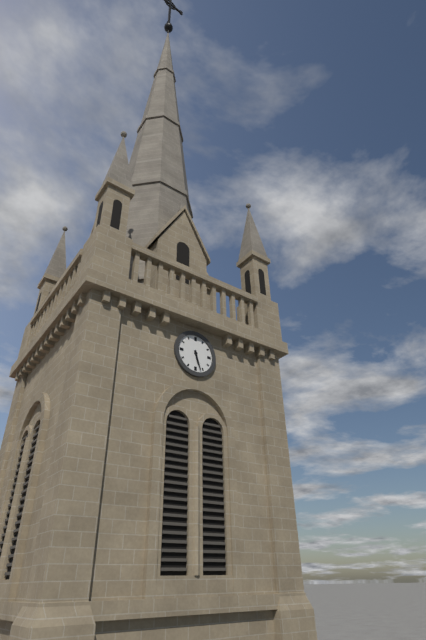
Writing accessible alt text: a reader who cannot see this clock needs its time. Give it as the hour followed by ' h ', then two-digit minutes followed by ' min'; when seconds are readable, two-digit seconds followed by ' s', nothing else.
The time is 5 h 27 min
